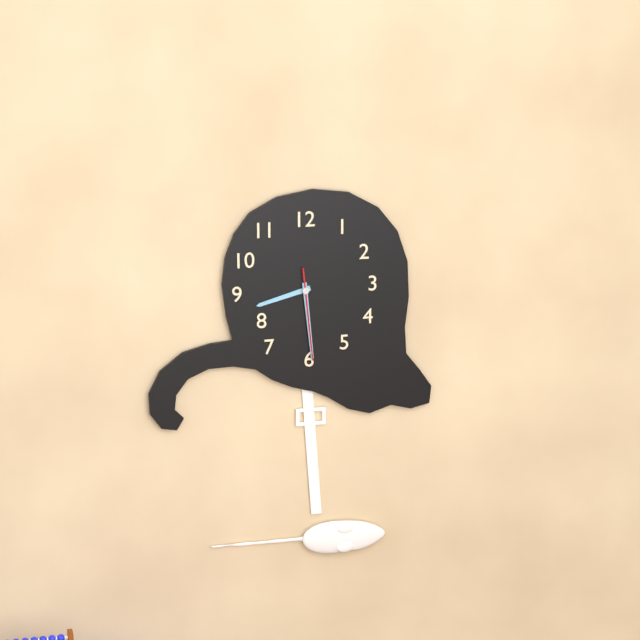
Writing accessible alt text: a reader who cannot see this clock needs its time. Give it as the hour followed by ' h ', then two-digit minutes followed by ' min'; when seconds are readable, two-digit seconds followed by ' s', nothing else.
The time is 8 h 29 min 29 s
